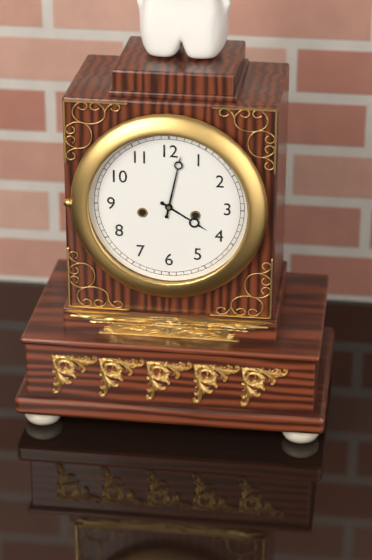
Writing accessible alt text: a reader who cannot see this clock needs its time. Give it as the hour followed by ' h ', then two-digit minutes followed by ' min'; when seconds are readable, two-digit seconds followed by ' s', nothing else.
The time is 4 h 02 min
